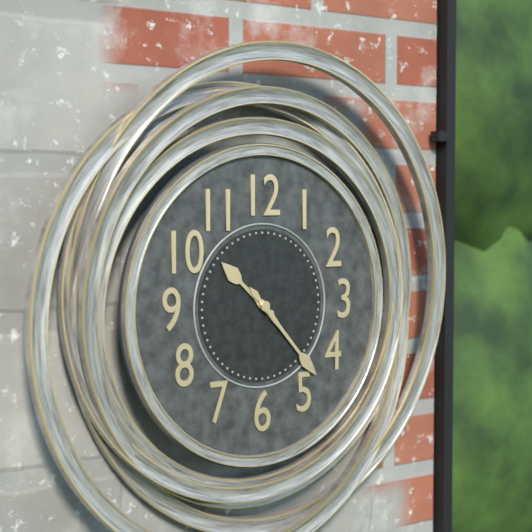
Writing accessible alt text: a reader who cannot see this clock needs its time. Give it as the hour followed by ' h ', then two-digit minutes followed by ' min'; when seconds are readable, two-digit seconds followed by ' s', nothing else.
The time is 10 h 23 min
